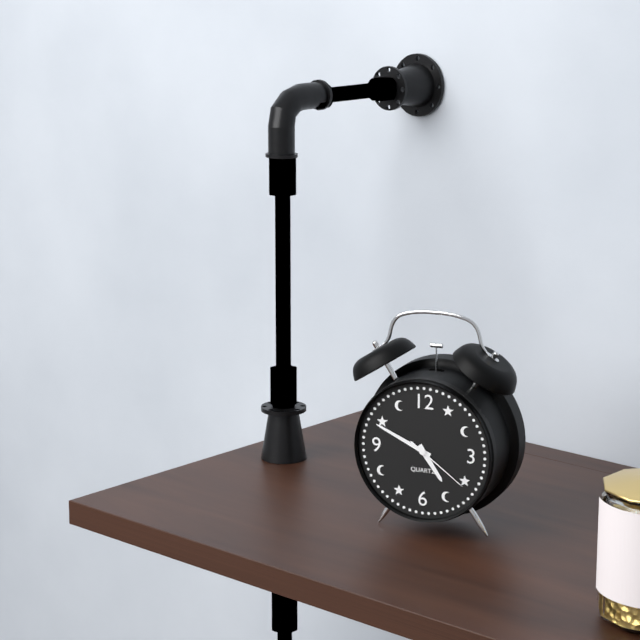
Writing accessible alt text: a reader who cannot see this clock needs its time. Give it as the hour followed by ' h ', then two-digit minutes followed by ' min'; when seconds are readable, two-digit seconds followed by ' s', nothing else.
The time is 4 h 49 min 21 s
